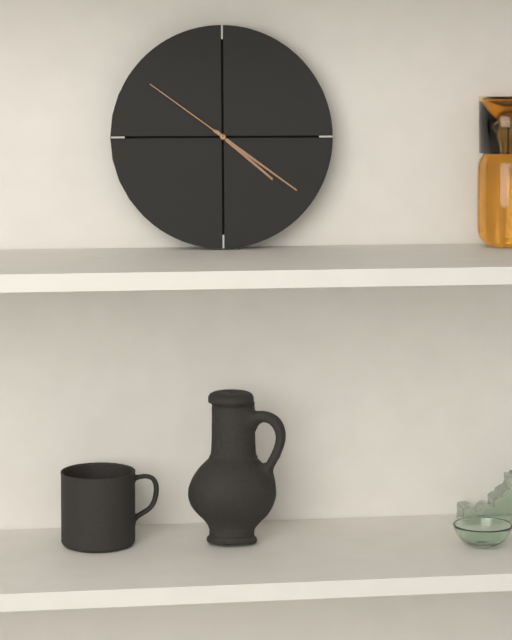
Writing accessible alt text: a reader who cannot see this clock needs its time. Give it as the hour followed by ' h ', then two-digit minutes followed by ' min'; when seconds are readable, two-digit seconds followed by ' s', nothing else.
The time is 4 h 21 min 51 s
